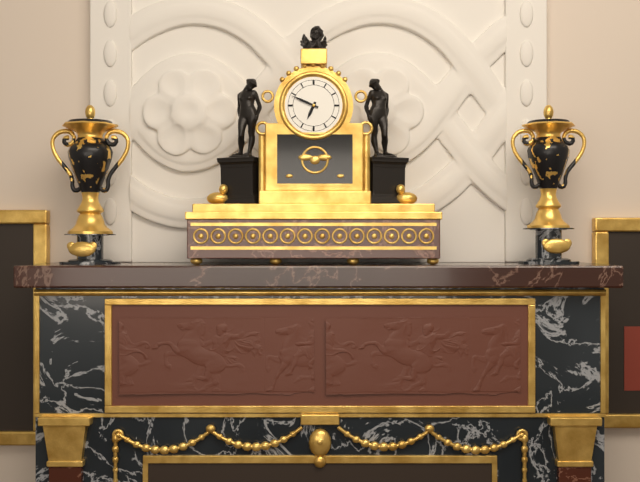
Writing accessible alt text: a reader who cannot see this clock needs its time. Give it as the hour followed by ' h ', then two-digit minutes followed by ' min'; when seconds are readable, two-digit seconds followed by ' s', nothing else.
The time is 6 h 49 min
